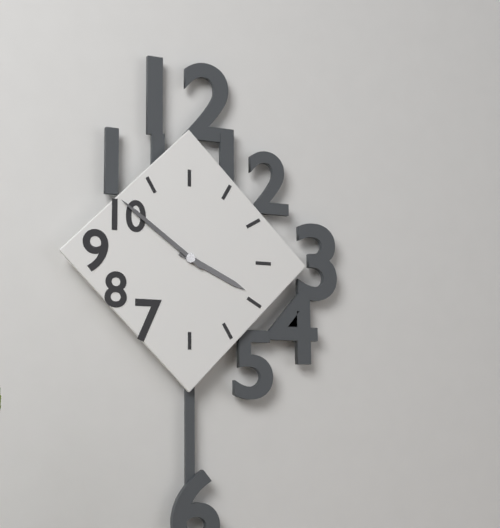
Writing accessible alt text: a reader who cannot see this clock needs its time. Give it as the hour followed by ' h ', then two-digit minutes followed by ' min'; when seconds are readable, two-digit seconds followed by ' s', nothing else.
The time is 3 h 51 min
